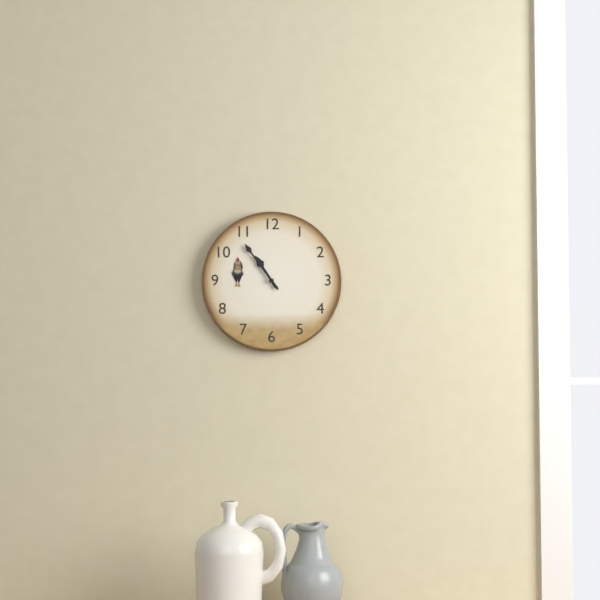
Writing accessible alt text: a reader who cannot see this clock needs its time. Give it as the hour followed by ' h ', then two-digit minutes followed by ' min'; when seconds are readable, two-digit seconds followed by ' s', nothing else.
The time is 10 h 54 min
